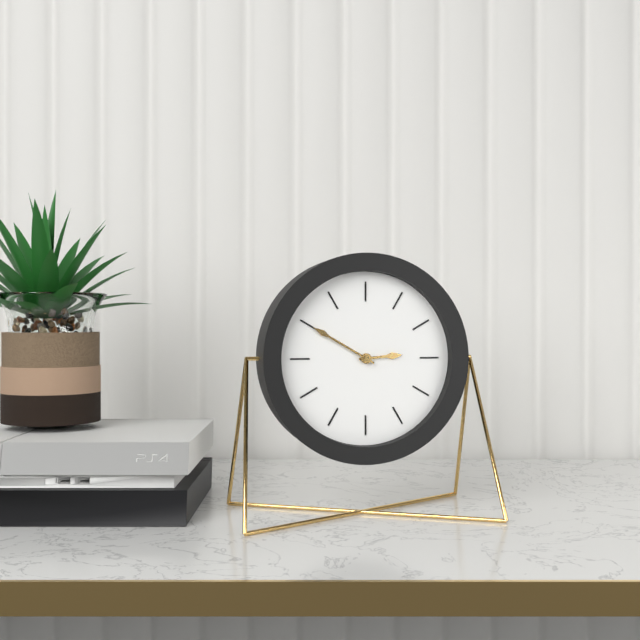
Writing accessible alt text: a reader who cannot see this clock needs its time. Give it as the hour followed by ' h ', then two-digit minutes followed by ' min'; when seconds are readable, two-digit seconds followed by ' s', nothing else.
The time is 2 h 50 min
